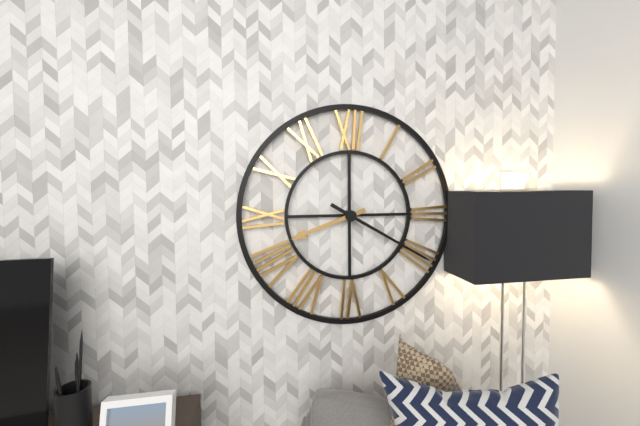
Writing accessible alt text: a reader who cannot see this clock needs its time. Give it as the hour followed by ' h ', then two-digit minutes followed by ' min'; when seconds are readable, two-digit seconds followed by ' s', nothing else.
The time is 8 h 20 min
